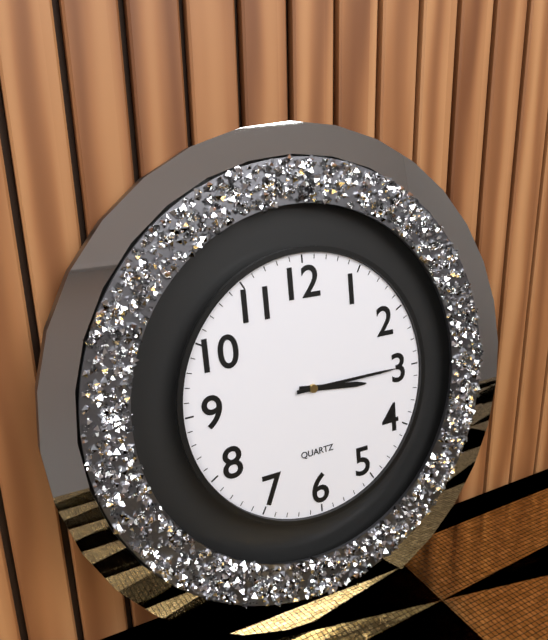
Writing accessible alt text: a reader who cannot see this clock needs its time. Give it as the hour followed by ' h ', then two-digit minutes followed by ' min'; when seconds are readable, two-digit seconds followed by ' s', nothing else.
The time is 3 h 15 min
